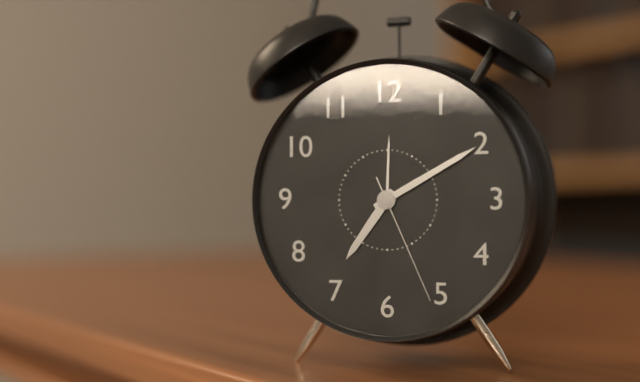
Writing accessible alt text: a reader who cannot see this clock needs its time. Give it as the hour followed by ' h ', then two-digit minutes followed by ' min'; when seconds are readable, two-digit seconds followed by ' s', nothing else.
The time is 7 h 10 min 26 s
